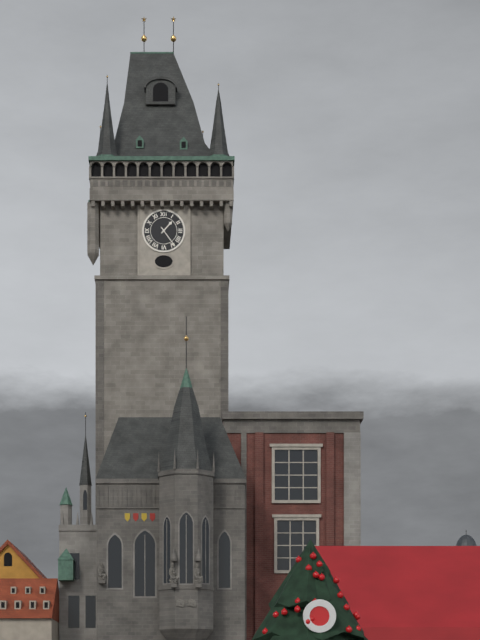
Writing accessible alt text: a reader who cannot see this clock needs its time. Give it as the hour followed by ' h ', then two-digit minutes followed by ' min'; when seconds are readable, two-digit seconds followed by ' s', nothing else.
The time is 1 h 24 min
